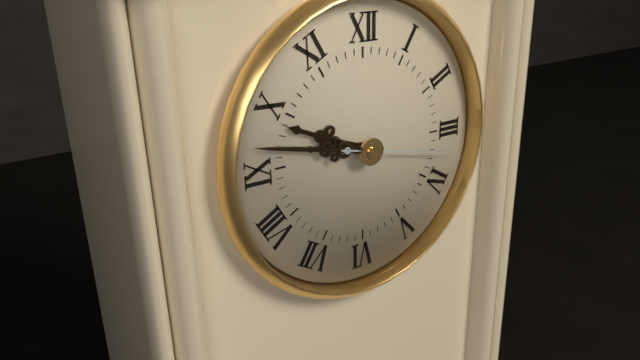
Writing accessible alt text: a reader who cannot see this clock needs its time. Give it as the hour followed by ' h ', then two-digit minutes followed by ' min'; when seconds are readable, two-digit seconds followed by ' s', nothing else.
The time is 9 h 47 min 17 s
